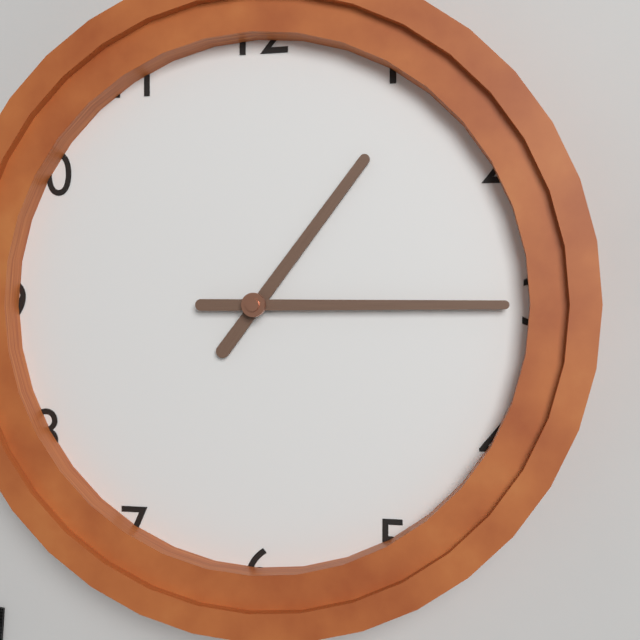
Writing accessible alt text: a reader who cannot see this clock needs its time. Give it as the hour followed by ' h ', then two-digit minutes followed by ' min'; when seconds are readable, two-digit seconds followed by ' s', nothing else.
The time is 1 h 15 min
